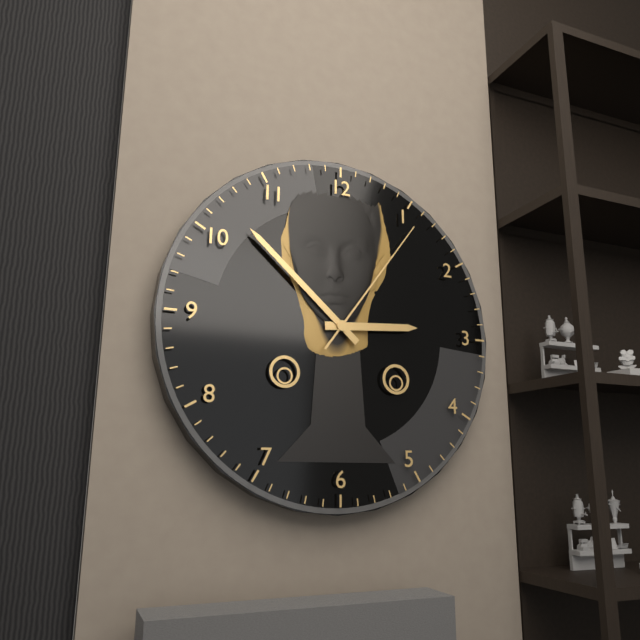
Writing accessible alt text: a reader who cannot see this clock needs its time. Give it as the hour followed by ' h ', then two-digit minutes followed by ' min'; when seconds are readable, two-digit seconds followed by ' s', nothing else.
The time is 2 h 52 min 06 s
